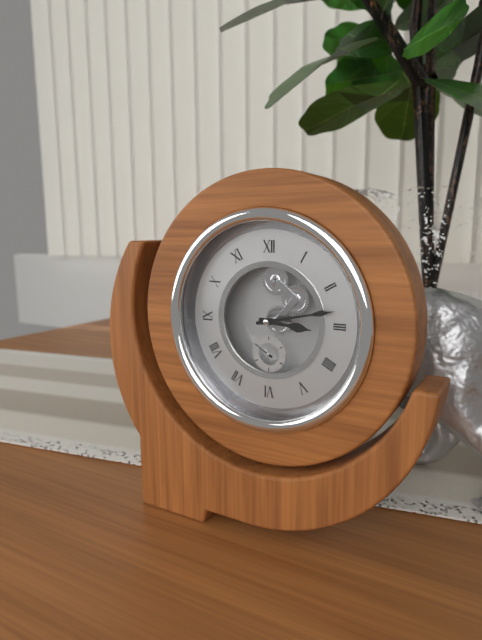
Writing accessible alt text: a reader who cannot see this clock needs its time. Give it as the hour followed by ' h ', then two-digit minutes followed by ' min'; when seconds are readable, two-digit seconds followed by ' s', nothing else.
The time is 3 h 13 min
